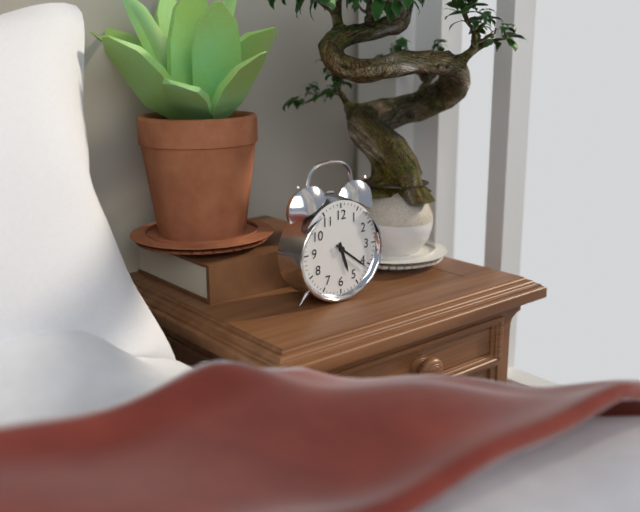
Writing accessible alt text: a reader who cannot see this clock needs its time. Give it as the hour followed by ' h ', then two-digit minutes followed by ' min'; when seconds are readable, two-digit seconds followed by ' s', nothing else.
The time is 5 h 21 min
